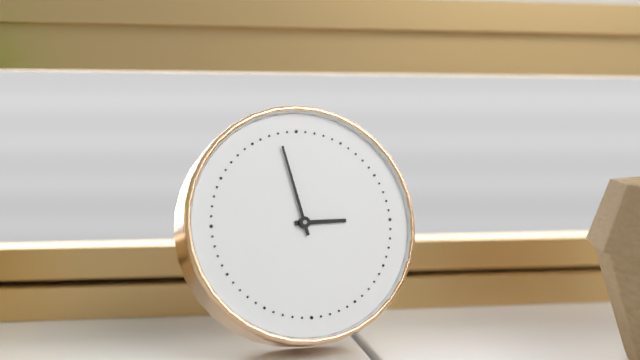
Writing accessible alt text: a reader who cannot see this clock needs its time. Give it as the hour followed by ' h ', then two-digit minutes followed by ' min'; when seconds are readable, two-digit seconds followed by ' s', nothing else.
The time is 2 h 58 min
